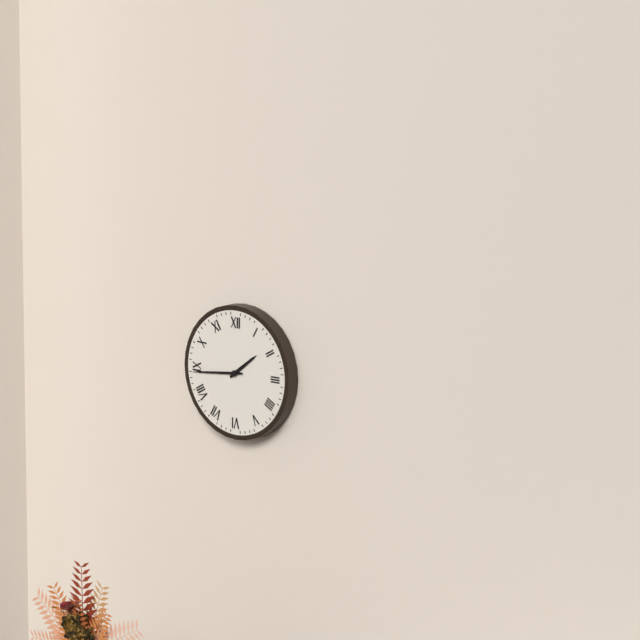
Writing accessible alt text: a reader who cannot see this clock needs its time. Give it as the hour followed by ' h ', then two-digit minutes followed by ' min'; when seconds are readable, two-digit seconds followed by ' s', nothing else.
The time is 1 h 44 min
